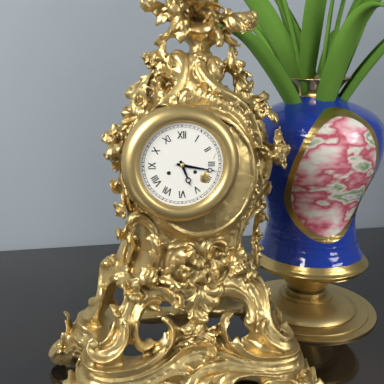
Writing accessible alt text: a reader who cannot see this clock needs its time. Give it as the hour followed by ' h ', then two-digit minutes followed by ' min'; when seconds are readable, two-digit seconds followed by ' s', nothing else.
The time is 5 h 17 min
